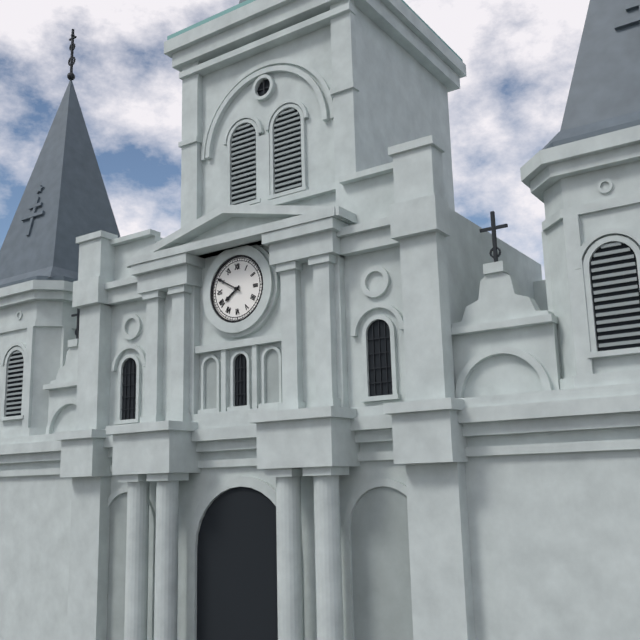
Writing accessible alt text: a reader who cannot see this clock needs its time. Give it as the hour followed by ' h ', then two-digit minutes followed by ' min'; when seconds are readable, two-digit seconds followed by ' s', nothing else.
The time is 7 h 50 min
